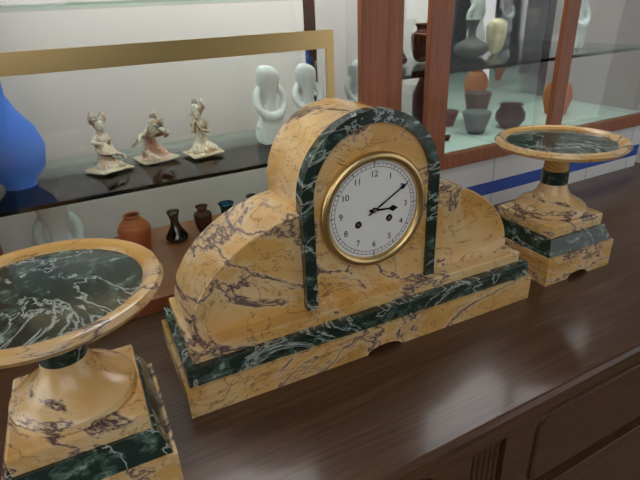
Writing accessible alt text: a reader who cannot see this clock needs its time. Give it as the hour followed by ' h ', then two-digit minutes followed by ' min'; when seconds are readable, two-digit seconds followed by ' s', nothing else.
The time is 3 h 10 min
